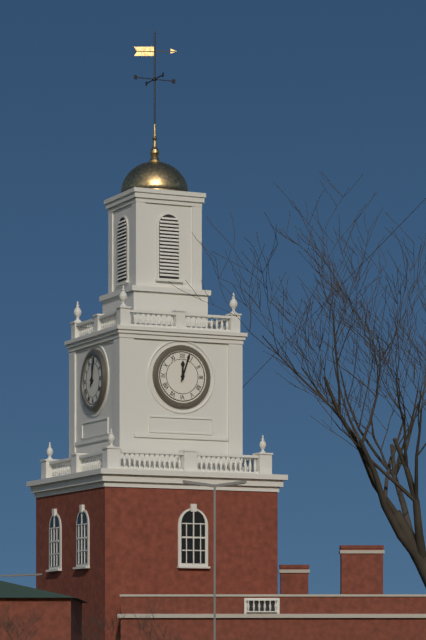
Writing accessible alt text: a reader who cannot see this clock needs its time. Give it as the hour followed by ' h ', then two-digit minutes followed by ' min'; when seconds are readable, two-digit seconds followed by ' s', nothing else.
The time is 12 h 03 min
